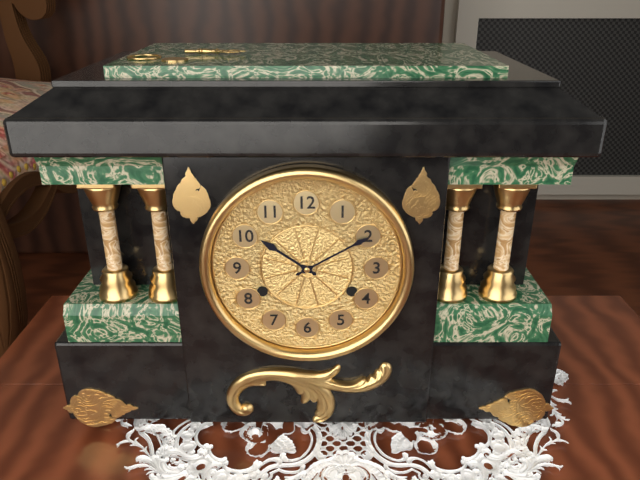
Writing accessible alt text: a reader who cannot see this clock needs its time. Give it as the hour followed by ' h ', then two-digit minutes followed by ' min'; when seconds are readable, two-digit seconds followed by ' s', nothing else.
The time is 10 h 10 min
